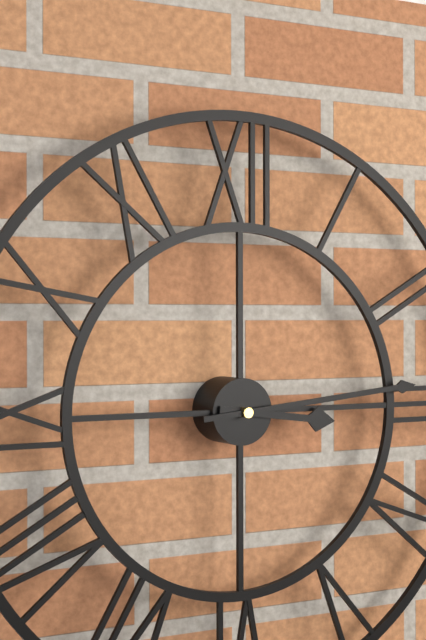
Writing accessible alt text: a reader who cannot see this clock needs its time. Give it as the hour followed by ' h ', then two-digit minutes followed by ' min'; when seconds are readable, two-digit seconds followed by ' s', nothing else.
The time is 3 h 14 min
